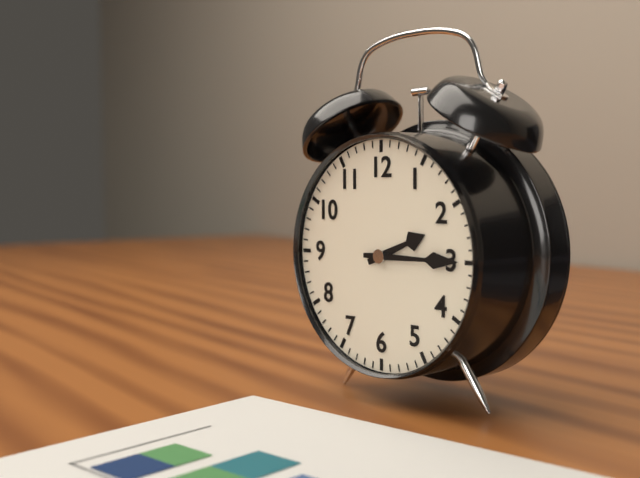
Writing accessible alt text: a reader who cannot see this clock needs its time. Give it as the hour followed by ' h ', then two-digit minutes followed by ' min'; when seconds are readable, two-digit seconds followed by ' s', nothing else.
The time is 2 h 15 min
